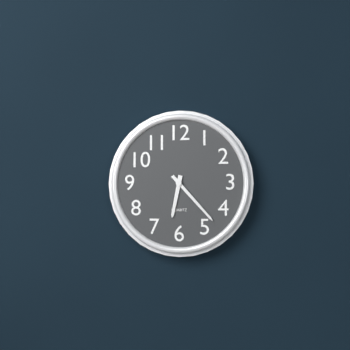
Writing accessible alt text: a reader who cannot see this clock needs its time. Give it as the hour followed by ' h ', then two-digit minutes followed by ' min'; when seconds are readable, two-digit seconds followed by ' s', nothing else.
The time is 6 h 23 min
